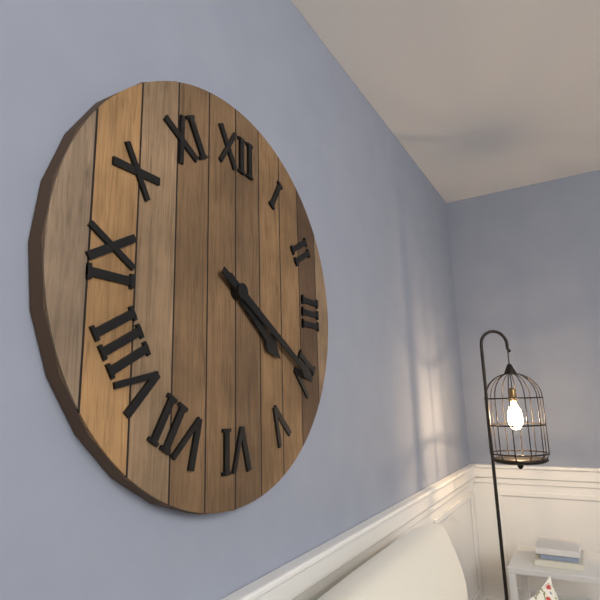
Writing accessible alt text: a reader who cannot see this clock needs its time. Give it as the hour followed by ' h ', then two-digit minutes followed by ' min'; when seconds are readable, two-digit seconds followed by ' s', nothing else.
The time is 4 h 20 min
